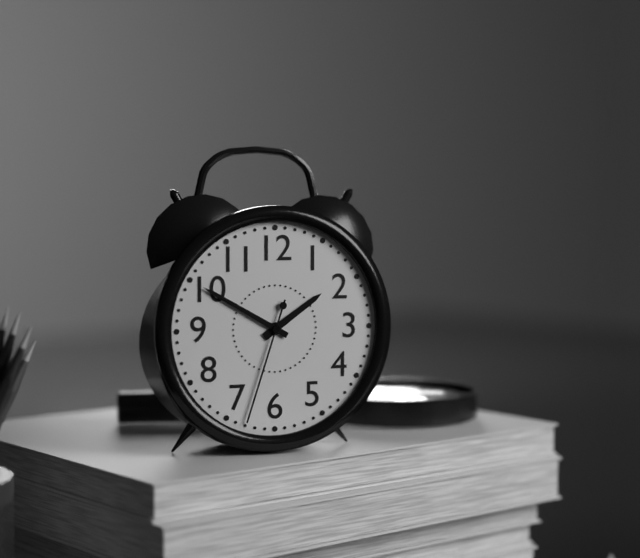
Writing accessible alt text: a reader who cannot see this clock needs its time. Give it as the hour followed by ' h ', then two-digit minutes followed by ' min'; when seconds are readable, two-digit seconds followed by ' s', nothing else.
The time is 1 h 50 min 33 s
